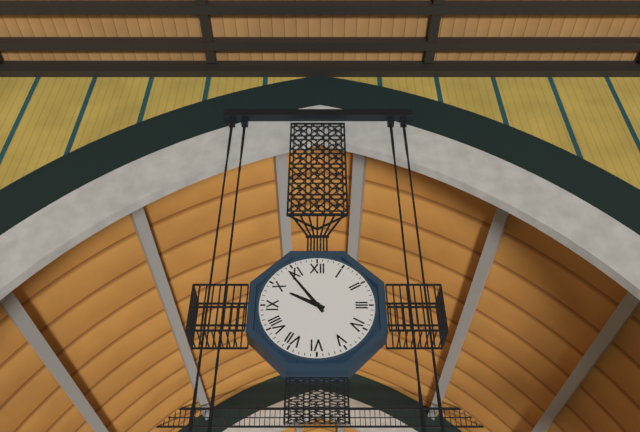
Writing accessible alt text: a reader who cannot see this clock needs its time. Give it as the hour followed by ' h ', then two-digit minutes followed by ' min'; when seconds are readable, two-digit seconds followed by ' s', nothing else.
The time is 9 h 54 min
